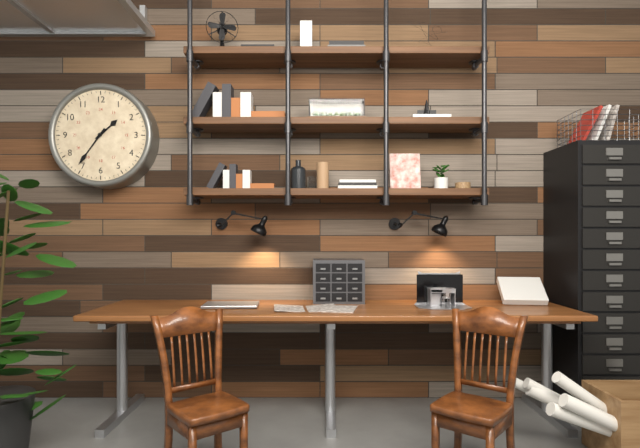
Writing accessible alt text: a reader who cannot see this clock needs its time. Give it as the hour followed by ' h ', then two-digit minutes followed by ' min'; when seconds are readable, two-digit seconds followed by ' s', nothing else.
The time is 1 h 36 min
